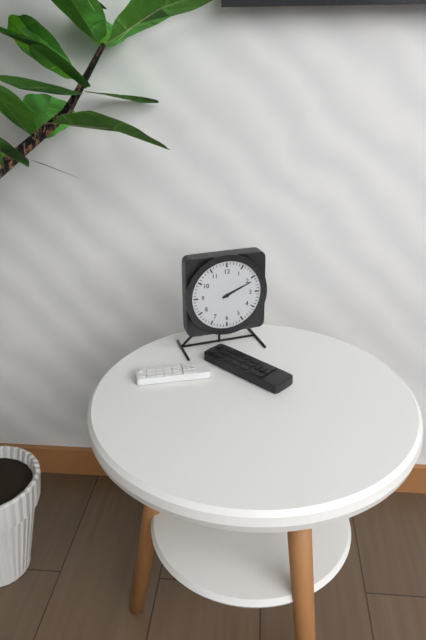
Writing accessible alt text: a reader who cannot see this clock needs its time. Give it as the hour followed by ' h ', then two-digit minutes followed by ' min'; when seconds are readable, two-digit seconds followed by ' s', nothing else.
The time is 2 h 11 min
